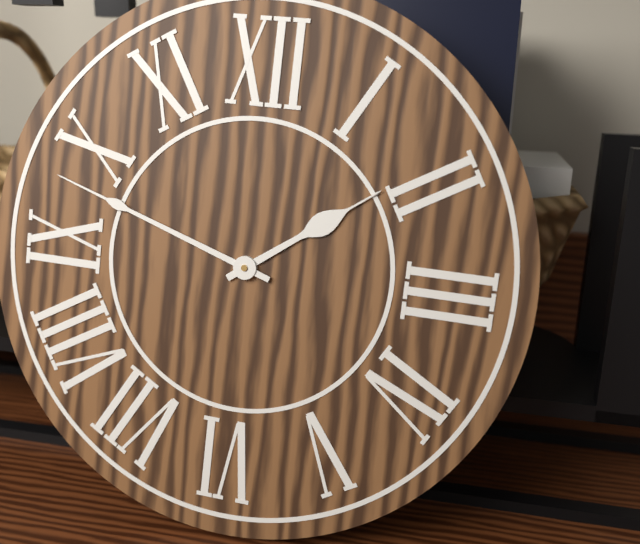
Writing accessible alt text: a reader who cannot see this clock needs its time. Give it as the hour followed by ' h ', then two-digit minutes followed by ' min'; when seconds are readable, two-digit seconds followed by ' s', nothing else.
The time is 1 h 48 min
